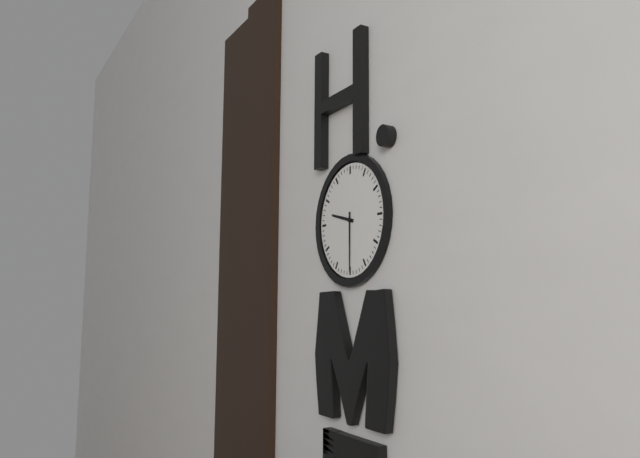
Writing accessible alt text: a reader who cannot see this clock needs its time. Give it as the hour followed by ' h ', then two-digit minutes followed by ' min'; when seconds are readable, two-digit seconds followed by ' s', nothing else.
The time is 9 h 30 min
